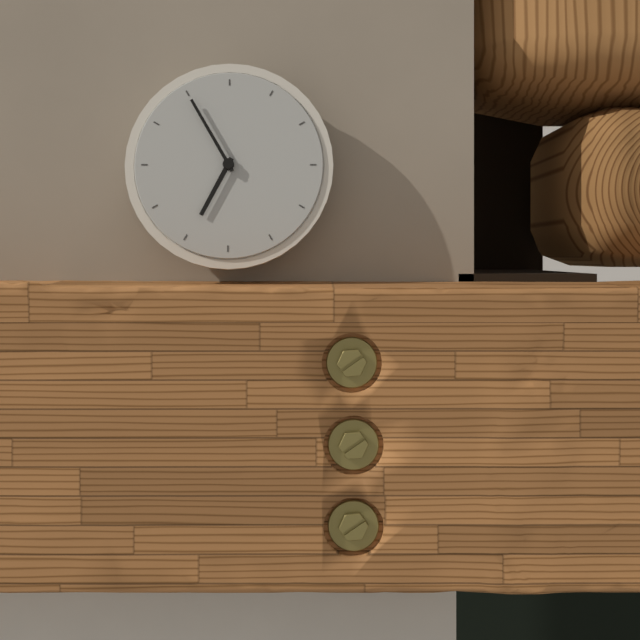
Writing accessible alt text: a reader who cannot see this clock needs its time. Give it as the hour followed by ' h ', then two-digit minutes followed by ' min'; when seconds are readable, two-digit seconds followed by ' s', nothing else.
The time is 6 h 55 min
